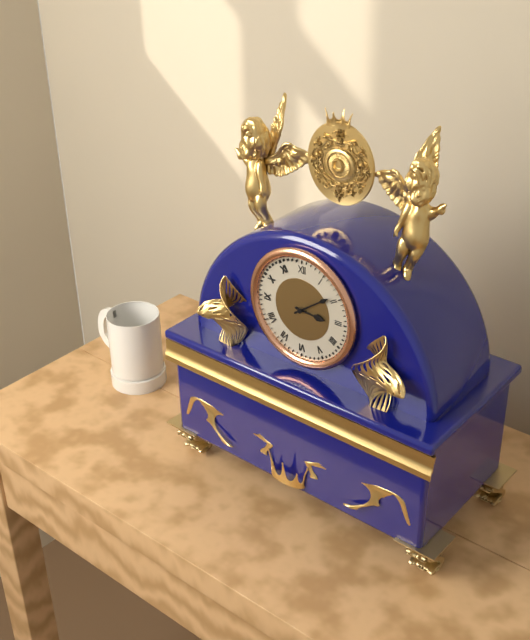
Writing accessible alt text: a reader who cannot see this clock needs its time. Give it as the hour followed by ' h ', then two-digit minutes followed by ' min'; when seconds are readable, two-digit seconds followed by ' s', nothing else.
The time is 3 h 09 min
